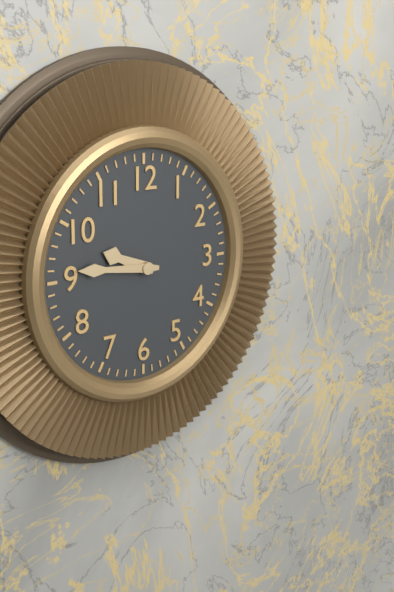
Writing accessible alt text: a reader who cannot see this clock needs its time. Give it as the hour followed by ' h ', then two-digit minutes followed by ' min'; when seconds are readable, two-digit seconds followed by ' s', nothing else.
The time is 9 h 46 min
